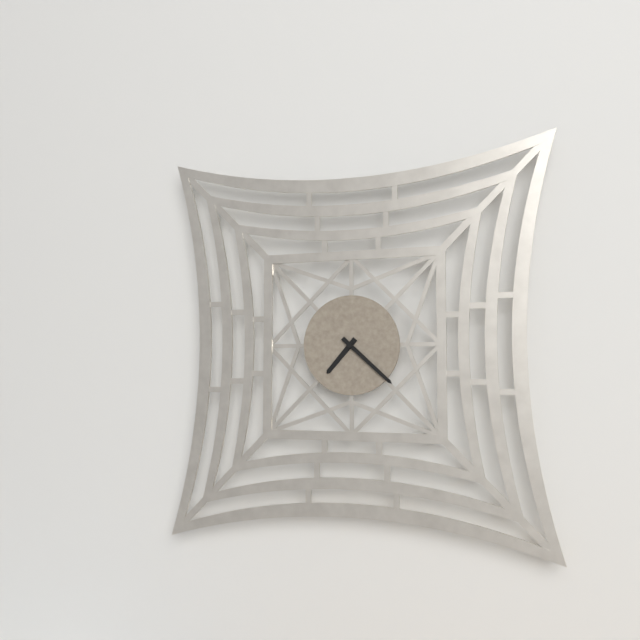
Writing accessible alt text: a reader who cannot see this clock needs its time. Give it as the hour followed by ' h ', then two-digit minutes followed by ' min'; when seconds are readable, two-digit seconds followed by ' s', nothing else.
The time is 7 h 22 min
